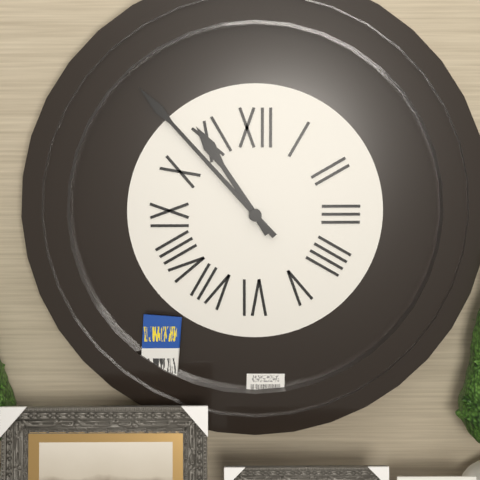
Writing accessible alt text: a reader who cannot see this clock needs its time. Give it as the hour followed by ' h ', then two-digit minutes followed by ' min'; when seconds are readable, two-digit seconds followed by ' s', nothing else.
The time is 10 h 53 min
